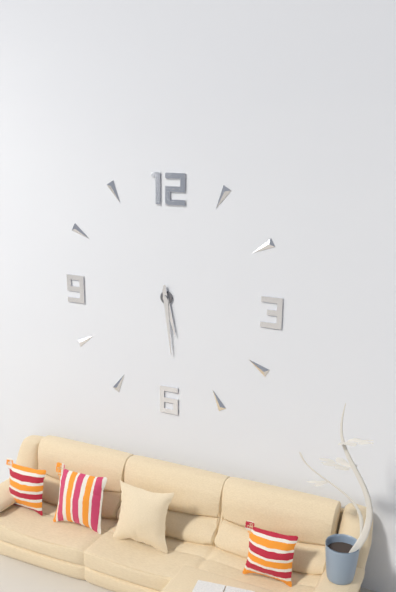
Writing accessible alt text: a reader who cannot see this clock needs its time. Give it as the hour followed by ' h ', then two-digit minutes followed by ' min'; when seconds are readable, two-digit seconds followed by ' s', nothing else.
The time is 5 h 29 min
